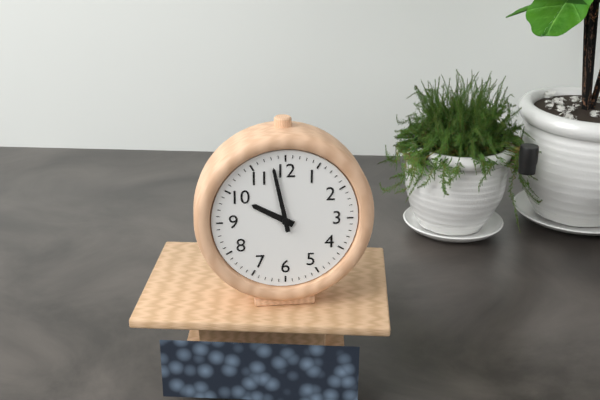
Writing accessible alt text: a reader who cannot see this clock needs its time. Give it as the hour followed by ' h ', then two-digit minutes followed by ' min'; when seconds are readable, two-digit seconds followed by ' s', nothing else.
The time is 9 h 58 min
